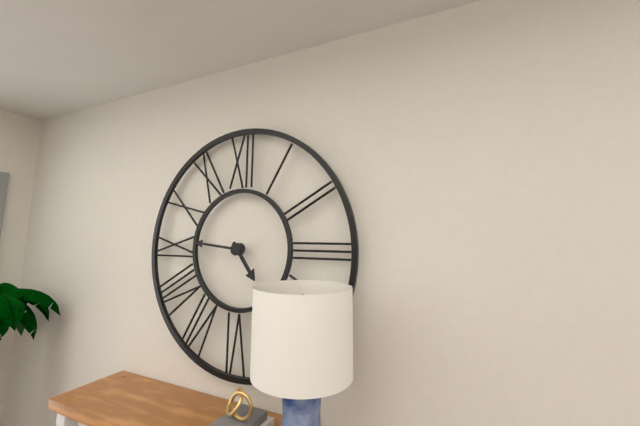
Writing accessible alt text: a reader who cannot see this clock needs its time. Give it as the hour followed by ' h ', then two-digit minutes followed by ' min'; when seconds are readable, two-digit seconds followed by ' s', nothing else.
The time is 4 h 46 min
